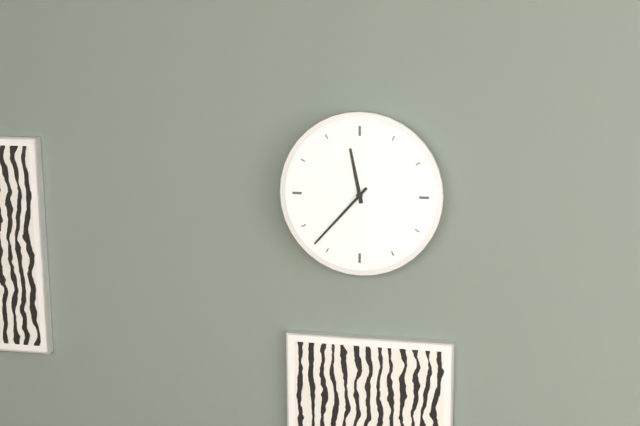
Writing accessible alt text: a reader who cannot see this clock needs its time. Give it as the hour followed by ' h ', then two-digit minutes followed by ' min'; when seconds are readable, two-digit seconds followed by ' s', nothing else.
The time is 11 h 37 min
